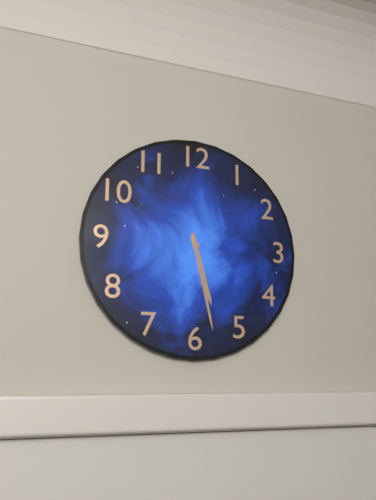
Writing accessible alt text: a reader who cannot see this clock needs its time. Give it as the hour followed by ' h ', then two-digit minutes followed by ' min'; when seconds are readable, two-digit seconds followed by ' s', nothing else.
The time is 5 h 28 min
